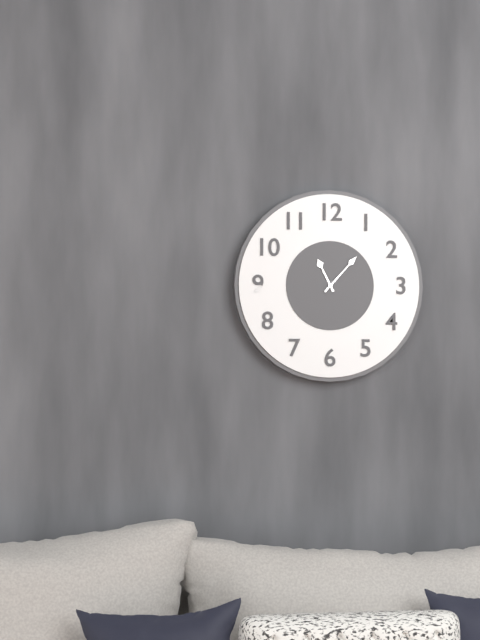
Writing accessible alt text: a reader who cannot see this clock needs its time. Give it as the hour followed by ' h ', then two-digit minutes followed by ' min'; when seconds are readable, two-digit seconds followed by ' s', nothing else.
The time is 11 h 07 min
